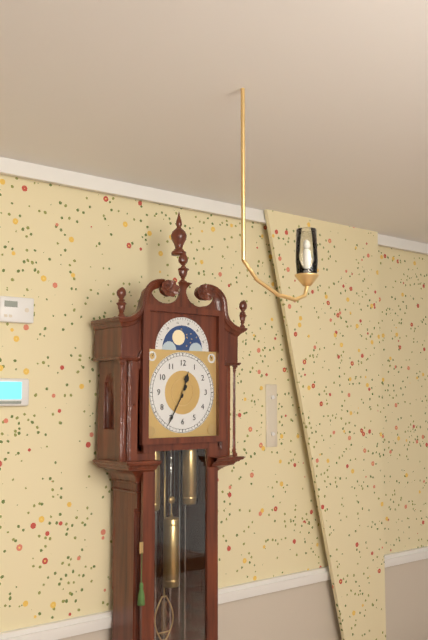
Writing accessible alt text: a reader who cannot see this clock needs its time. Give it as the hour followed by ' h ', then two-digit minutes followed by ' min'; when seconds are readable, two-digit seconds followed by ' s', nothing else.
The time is 12 h 35 min
